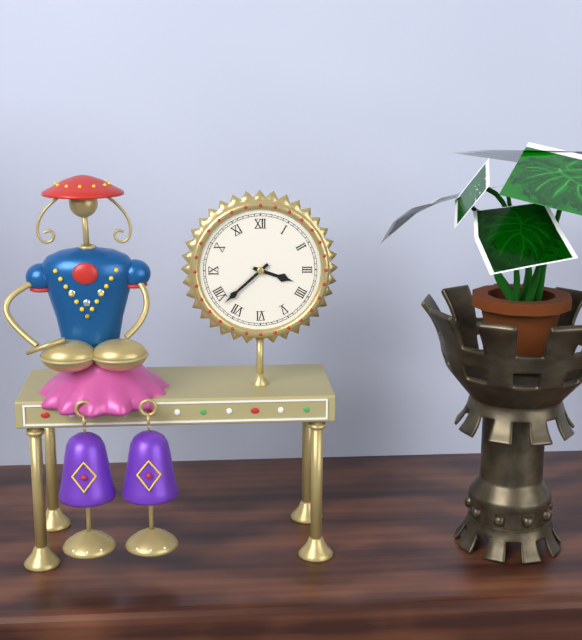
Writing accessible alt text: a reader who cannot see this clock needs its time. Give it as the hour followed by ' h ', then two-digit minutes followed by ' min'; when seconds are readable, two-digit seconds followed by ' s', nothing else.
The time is 3 h 38 min
